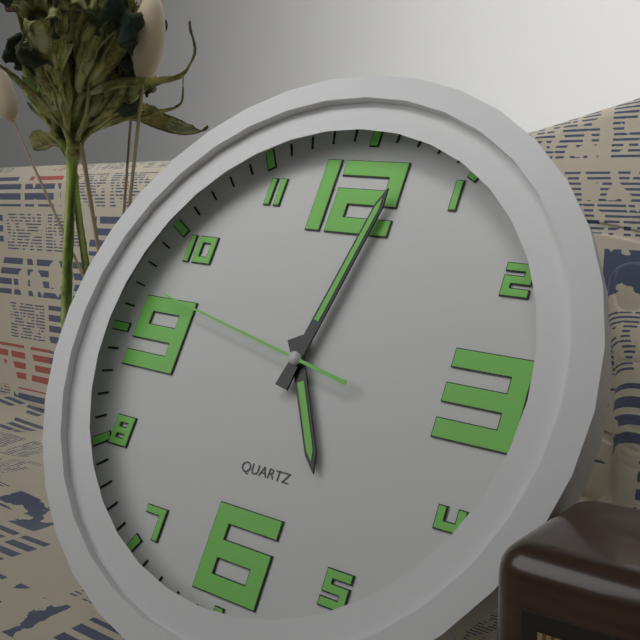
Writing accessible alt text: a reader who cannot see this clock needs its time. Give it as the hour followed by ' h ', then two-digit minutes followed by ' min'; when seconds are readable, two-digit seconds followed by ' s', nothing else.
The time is 5 h 02 min 47 s
